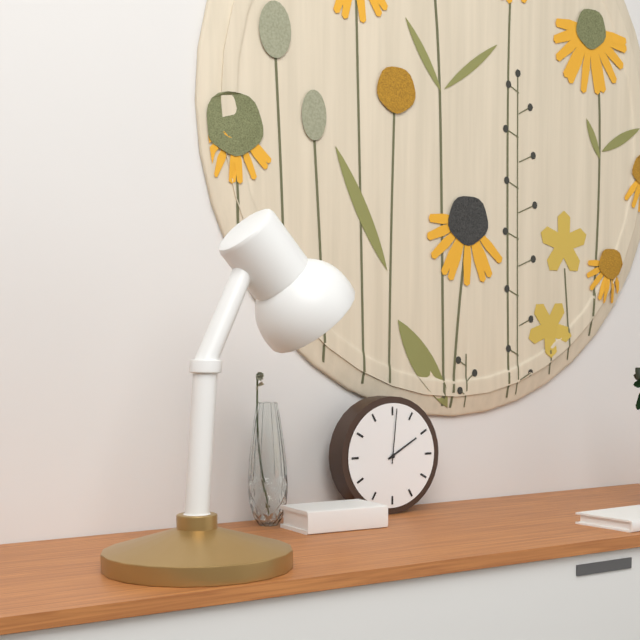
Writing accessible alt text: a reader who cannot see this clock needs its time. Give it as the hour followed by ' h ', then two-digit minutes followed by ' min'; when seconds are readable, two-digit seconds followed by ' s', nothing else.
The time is 2 h 01 min
